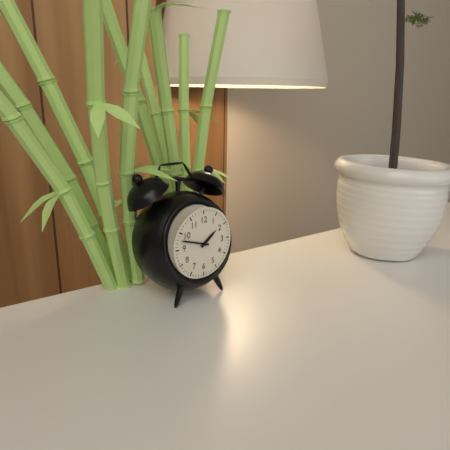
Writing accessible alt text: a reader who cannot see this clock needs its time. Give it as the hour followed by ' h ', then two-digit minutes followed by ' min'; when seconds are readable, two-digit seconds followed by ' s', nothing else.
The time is 1 h 48 min
